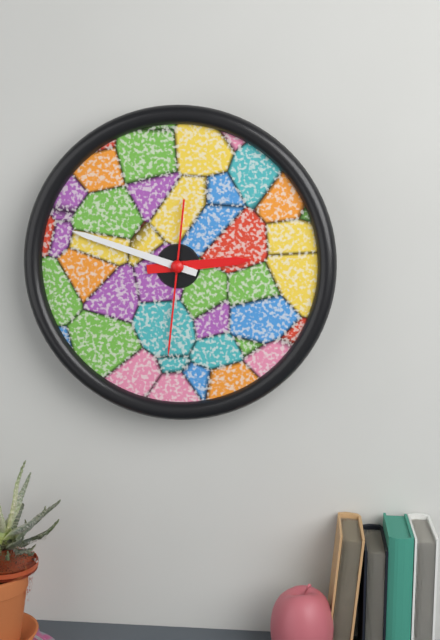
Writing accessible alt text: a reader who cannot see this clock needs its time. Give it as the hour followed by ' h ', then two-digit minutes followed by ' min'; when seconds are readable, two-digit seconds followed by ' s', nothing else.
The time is 2 h 48 min 31 s
